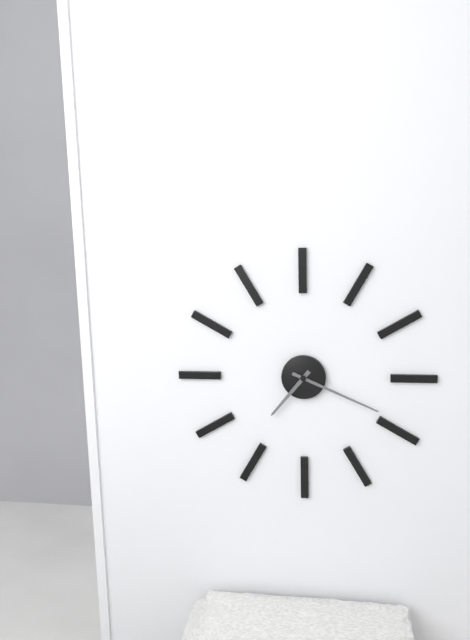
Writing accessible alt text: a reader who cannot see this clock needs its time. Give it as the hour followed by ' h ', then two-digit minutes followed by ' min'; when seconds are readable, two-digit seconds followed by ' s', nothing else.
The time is 7 h 19 min
